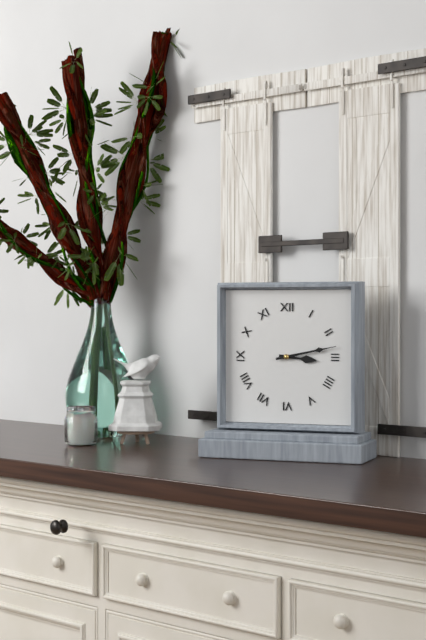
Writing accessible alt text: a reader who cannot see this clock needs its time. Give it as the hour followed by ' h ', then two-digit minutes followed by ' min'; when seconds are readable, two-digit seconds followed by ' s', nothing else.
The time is 3 h 13 min
